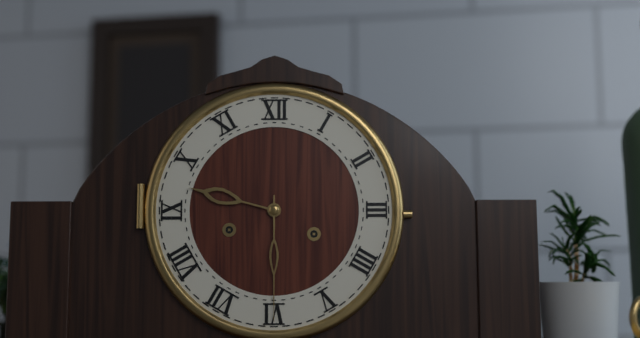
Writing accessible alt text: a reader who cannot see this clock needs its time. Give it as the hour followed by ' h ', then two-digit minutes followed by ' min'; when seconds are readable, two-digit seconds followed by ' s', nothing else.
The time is 9 h 30 min
